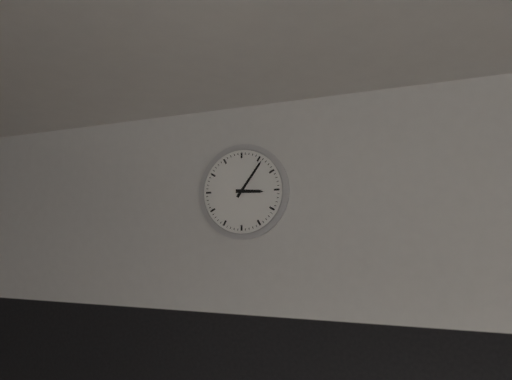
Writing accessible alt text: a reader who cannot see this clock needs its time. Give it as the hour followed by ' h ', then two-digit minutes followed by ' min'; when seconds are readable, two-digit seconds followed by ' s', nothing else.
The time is 3 h 06 min
